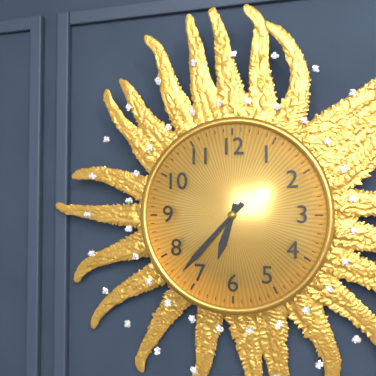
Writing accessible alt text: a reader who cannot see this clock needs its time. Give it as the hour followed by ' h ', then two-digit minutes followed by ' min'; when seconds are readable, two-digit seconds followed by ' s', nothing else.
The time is 6 h 37 min
